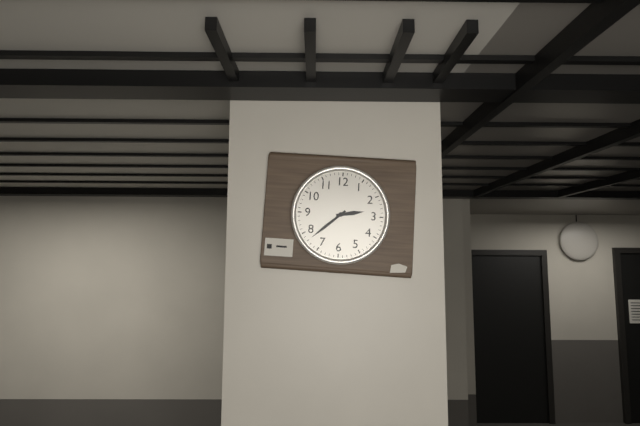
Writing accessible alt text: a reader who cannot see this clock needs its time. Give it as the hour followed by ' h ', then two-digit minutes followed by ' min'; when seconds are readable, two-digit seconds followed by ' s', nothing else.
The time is 2 h 38 min
